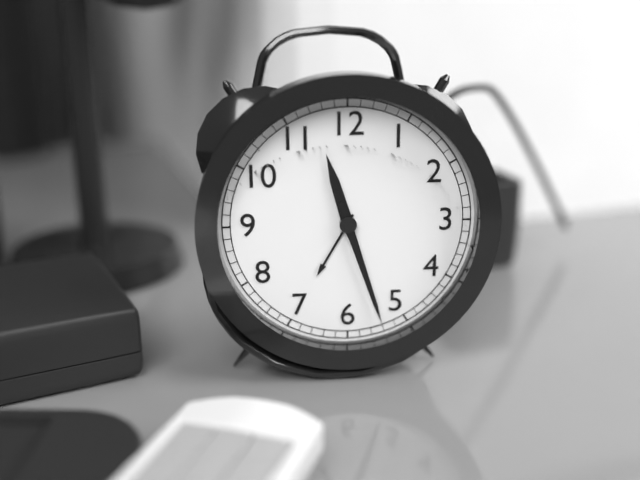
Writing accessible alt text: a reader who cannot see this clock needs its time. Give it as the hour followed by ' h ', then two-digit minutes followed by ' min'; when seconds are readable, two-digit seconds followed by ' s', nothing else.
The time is 11 h 27 min
